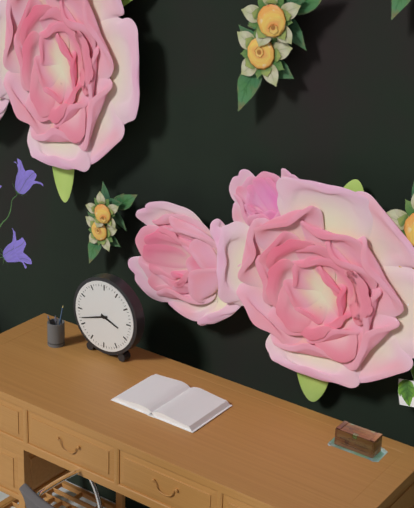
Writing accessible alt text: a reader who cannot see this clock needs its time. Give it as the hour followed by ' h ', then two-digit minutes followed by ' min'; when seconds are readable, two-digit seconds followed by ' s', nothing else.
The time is 3 h 42 min
